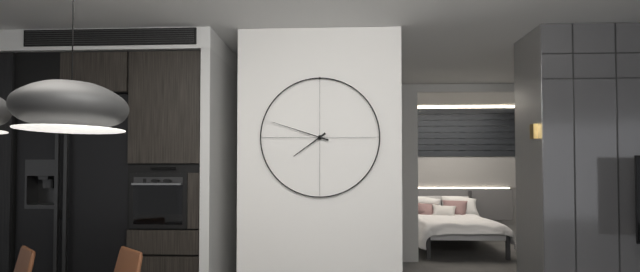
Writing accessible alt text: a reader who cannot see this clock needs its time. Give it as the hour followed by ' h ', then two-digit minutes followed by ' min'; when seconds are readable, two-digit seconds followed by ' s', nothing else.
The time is 7 h 48 min
